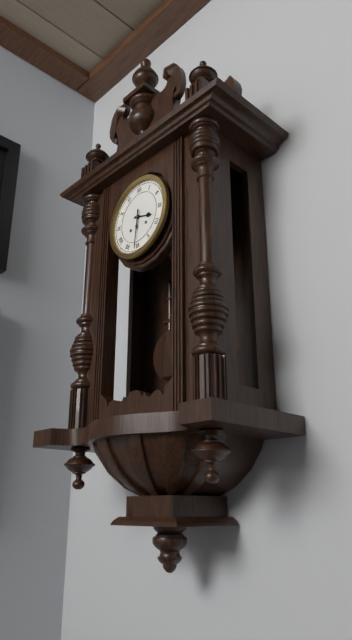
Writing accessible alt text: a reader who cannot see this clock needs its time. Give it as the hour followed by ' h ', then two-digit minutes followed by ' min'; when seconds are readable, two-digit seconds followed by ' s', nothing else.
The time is 3 h 31 min
